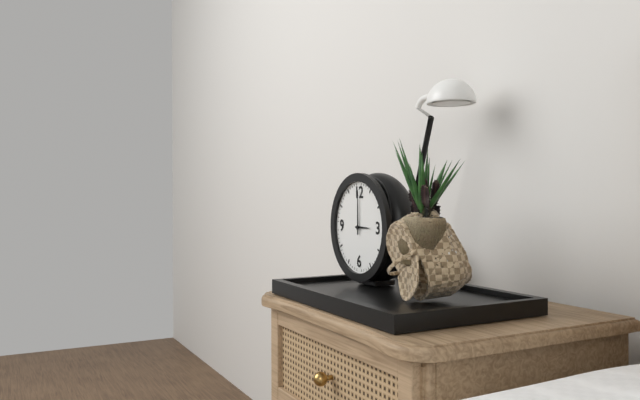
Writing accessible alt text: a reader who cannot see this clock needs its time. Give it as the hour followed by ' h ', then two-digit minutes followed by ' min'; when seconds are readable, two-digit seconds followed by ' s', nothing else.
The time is 3 h 00 min
